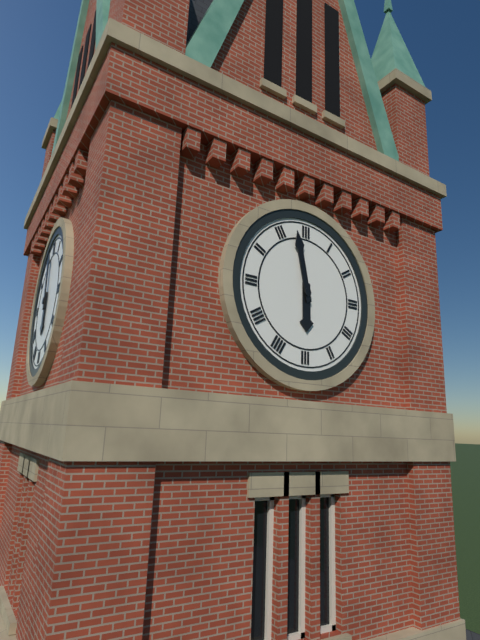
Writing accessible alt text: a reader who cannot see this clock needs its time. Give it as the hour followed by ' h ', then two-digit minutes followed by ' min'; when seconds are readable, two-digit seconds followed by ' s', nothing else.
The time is 5 h 58 min
